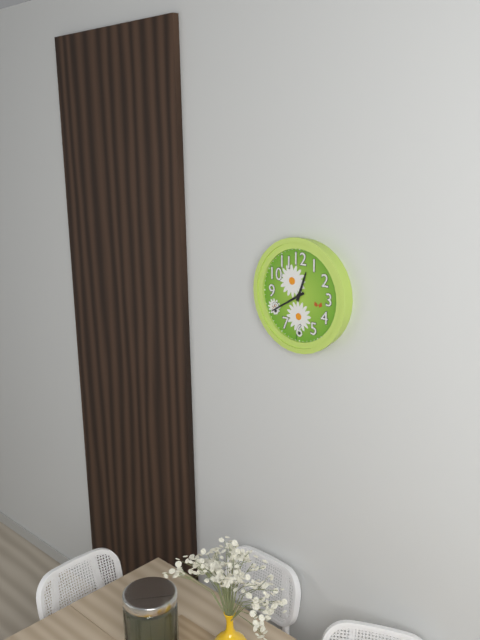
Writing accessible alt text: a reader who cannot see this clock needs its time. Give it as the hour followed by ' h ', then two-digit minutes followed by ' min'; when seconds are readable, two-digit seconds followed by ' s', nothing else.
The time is 12 h 40 min
